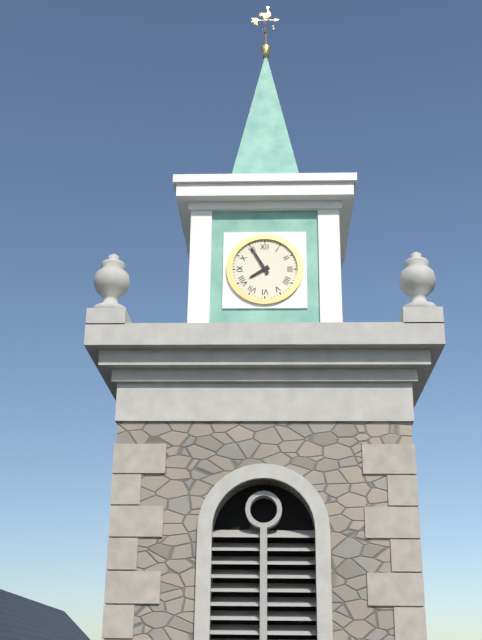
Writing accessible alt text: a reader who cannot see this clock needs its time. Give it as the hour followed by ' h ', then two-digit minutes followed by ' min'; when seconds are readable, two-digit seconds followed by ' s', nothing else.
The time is 7 h 55 min
